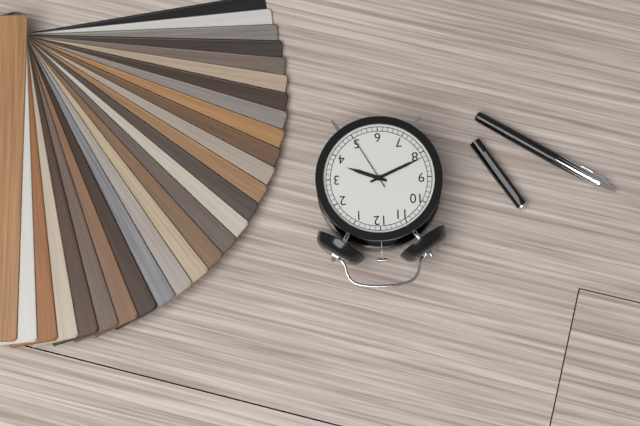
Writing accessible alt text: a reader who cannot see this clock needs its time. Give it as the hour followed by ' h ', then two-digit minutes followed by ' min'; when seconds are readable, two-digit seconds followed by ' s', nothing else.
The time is 3 h 41 min 25 s
